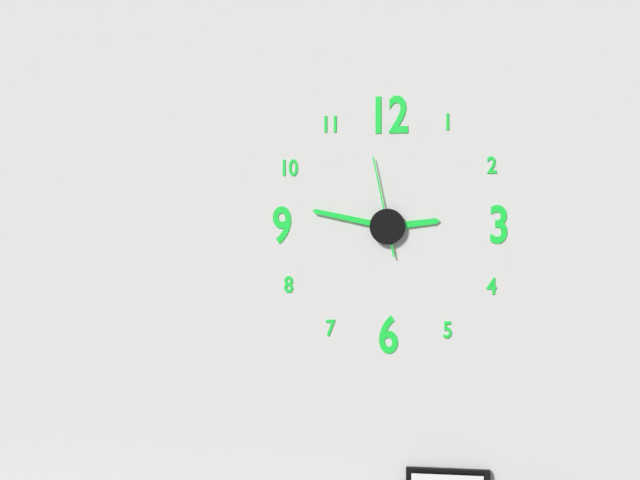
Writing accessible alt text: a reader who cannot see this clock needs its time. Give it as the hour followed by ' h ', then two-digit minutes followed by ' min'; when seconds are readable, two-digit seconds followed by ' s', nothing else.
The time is 2 h 47 min 58 s
